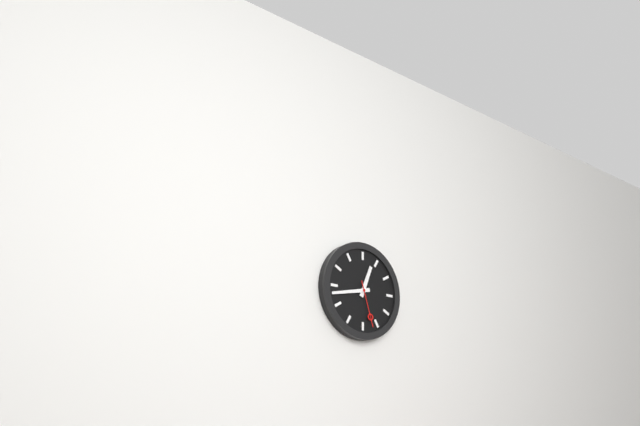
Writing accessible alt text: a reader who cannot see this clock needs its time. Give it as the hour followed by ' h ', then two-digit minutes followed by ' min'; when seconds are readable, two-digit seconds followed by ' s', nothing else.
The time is 12 h 43 min
